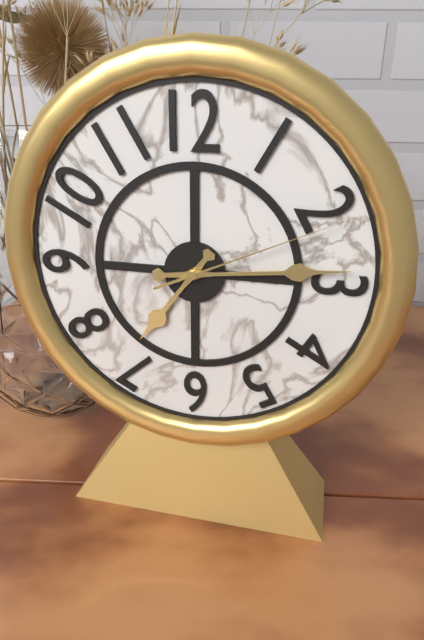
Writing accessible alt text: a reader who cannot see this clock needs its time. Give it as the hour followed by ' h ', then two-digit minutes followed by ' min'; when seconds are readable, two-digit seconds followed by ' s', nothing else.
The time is 7 h 14 min 11 s
